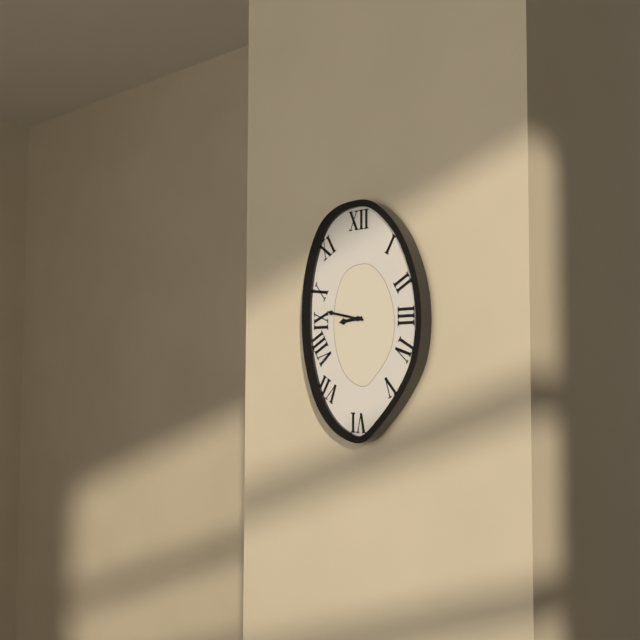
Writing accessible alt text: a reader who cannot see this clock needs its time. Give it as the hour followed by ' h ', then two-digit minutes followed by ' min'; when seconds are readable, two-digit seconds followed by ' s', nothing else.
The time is 8 h 47 min
